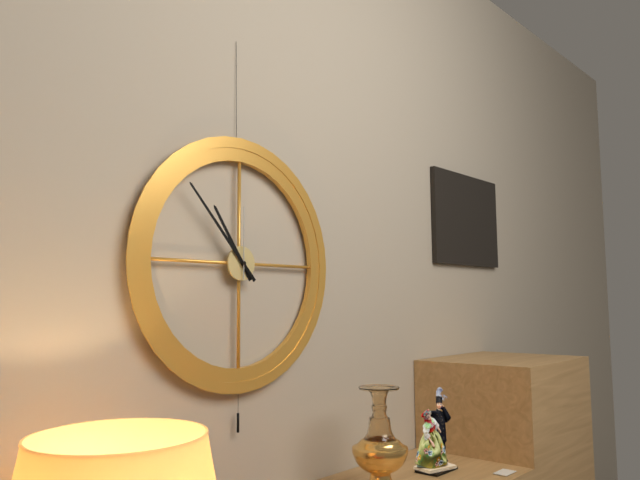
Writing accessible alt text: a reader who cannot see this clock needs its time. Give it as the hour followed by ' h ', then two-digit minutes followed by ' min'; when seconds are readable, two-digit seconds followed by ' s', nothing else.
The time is 10 h 53 min 00 s
